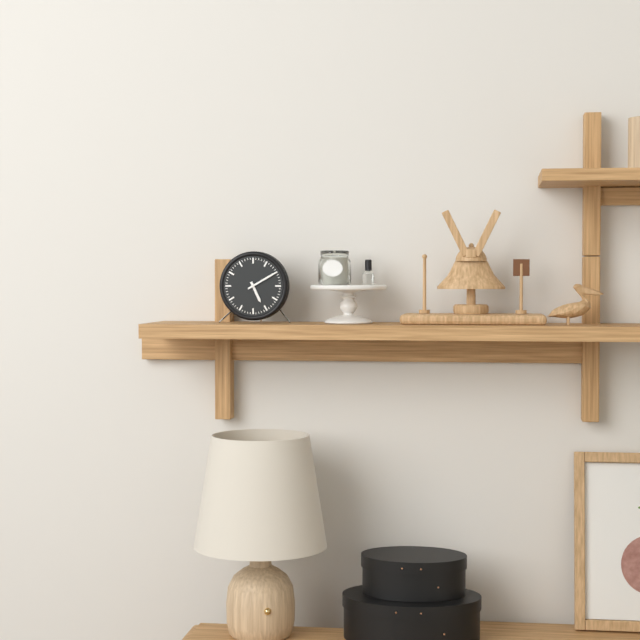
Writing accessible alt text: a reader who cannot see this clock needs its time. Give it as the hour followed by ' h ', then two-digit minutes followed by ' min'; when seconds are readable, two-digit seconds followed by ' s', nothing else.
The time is 5 h 10 min
